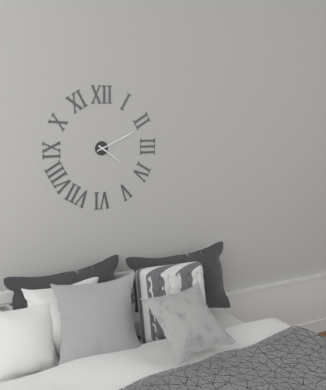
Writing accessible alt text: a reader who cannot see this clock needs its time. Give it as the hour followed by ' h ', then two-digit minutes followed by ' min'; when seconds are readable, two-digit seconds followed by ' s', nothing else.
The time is 4 h 11 min
